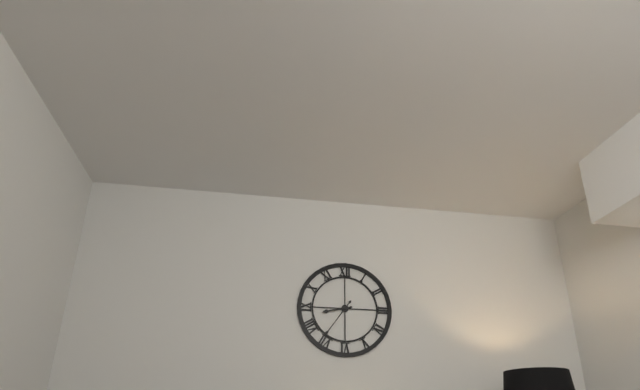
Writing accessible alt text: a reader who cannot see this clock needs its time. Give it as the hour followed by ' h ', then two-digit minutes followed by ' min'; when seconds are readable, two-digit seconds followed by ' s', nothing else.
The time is 8 h 36 min
